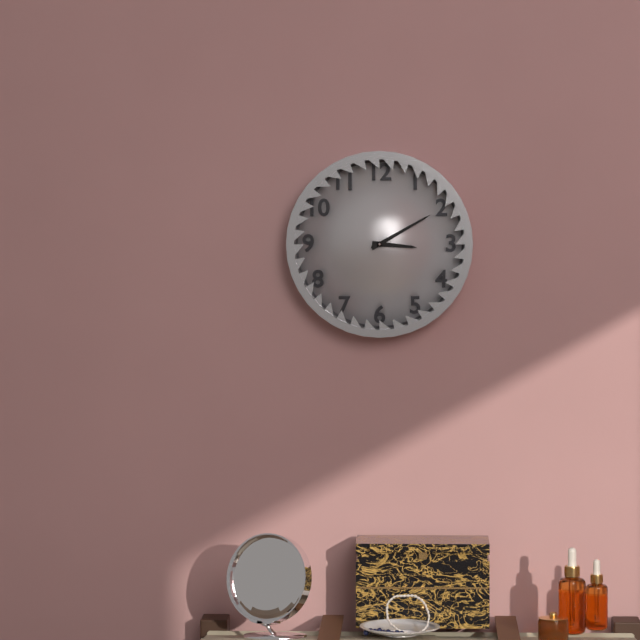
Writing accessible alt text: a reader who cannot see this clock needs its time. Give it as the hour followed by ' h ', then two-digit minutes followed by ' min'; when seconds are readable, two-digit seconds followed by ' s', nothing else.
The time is 3 h 10 min
